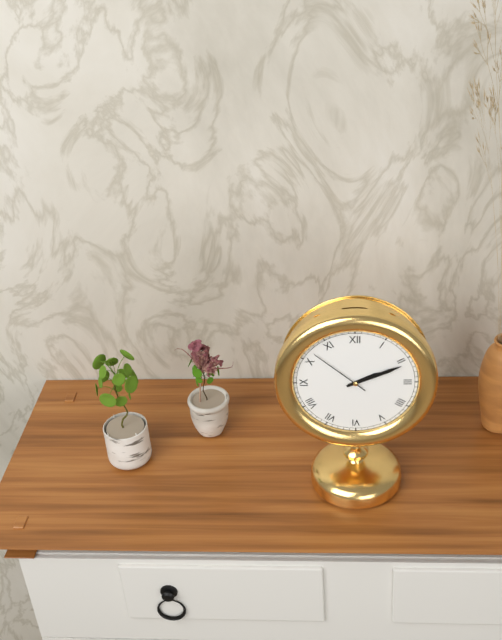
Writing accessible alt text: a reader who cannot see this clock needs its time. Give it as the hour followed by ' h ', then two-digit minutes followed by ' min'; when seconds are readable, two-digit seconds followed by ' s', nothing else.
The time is 2 h 11 min 52 s
